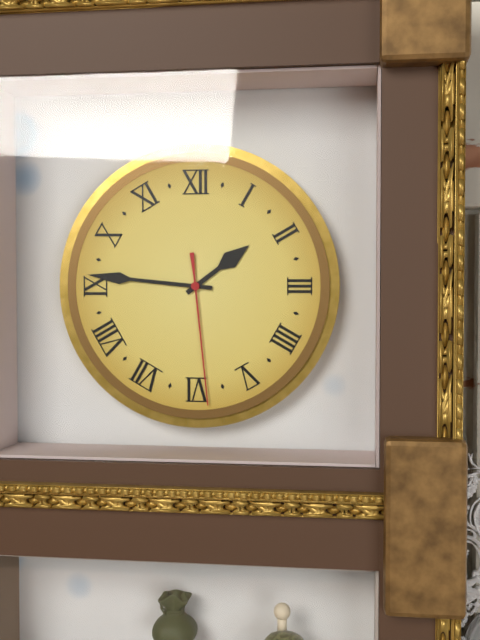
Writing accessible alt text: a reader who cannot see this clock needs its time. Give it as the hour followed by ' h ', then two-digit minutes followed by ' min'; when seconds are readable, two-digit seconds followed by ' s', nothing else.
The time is 1 h 46 min 29 s
